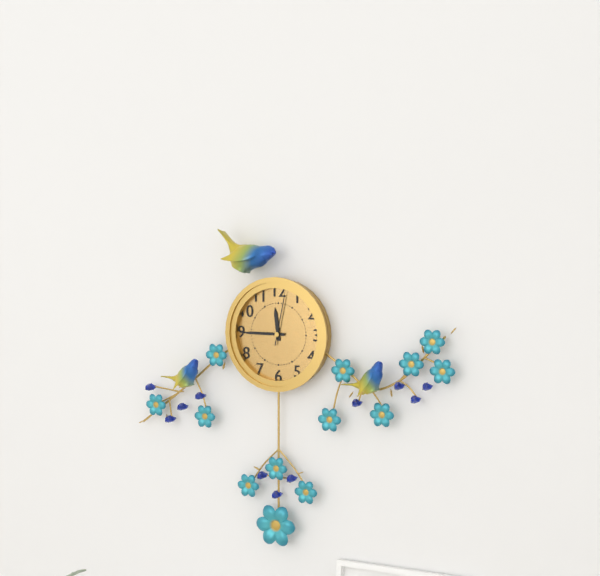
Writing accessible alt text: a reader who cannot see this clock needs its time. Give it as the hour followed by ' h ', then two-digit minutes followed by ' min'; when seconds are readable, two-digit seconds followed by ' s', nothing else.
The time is 11 h 45 min 02 s
